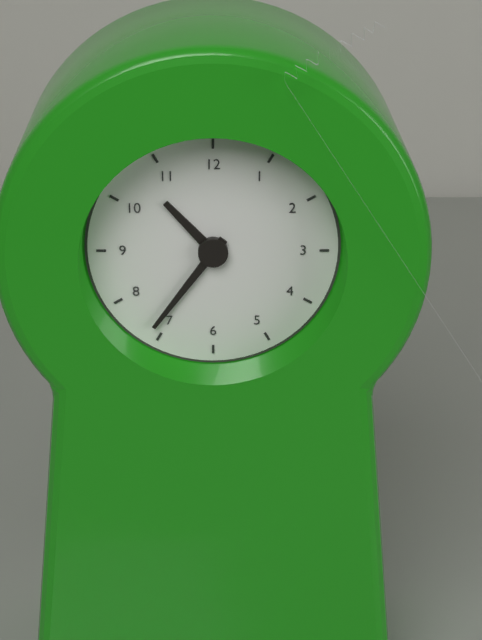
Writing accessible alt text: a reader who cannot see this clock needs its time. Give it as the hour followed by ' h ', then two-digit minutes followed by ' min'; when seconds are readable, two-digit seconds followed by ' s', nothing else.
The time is 10 h 36 min
